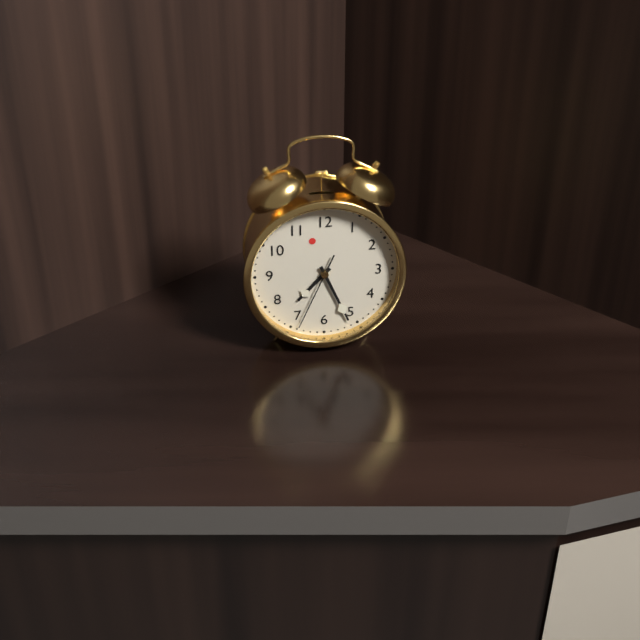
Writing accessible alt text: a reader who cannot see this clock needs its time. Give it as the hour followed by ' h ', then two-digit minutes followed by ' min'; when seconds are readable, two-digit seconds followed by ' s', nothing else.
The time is 7 h 26 min 34 s
